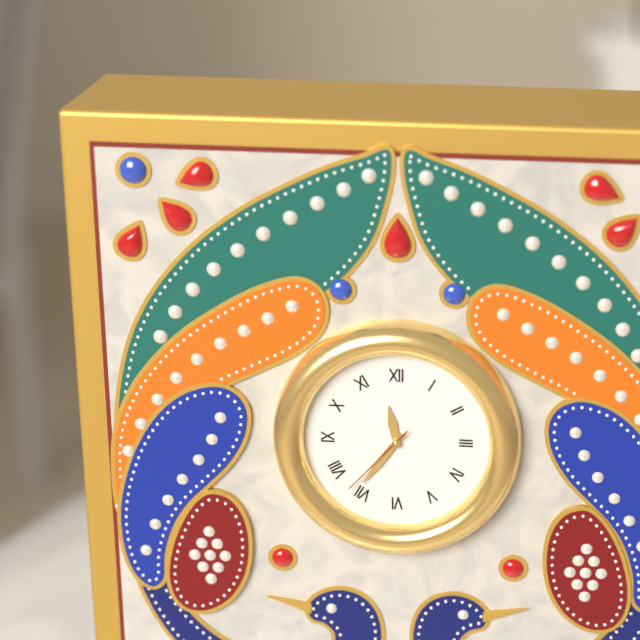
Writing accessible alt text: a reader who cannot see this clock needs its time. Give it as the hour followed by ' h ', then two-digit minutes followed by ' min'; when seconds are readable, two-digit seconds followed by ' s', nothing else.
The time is 11 h 36 min 37 s
